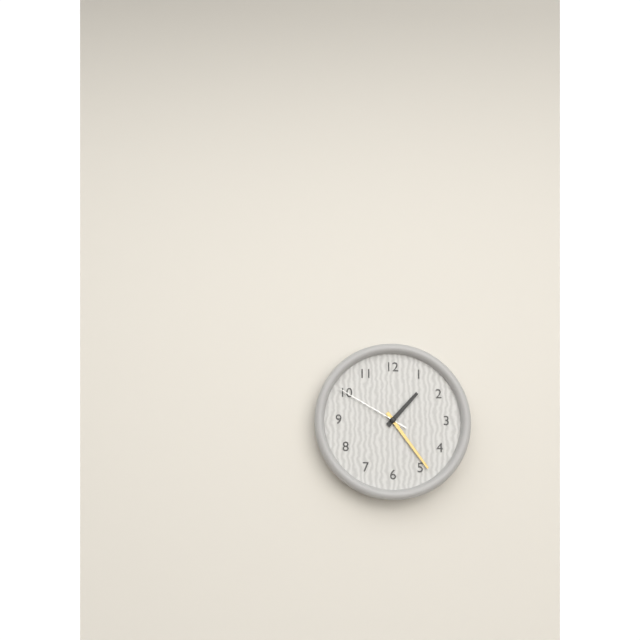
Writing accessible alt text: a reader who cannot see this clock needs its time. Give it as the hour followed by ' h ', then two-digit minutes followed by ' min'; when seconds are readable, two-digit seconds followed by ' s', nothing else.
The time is 1 h 24 min 50 s
